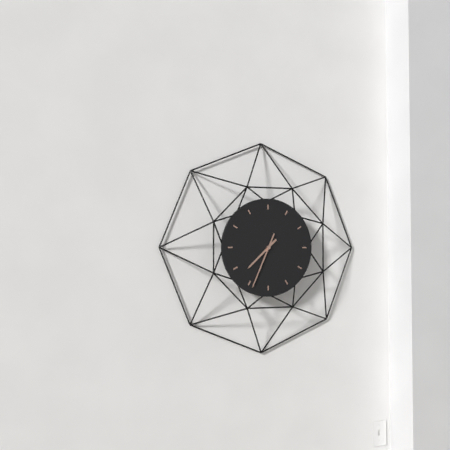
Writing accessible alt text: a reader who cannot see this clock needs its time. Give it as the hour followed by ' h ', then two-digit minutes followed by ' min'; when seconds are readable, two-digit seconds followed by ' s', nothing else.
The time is 7 h 34 min
